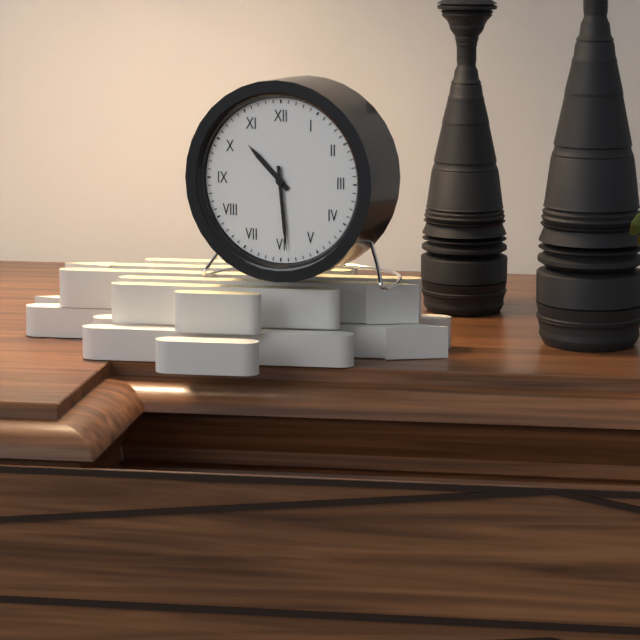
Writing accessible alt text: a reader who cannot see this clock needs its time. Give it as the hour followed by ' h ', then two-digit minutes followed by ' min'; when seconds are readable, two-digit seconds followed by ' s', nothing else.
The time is 10 h 29 min
